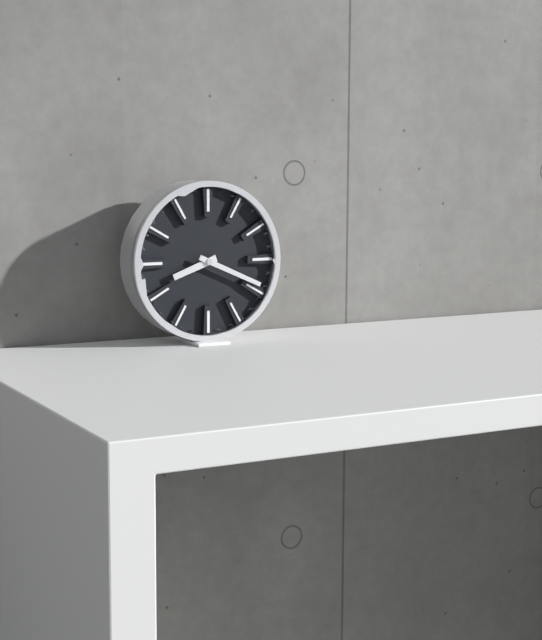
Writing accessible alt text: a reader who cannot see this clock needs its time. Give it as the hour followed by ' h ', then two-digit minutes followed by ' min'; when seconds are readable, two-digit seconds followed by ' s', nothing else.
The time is 8 h 19 min
